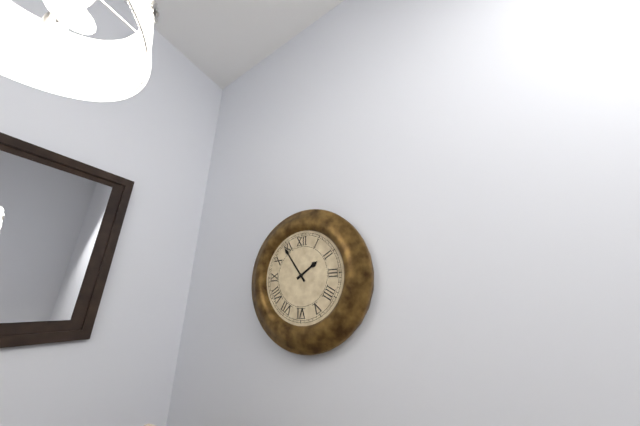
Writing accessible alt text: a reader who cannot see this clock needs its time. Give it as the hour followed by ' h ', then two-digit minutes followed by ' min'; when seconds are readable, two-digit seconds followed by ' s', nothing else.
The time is 1 h 54 min
